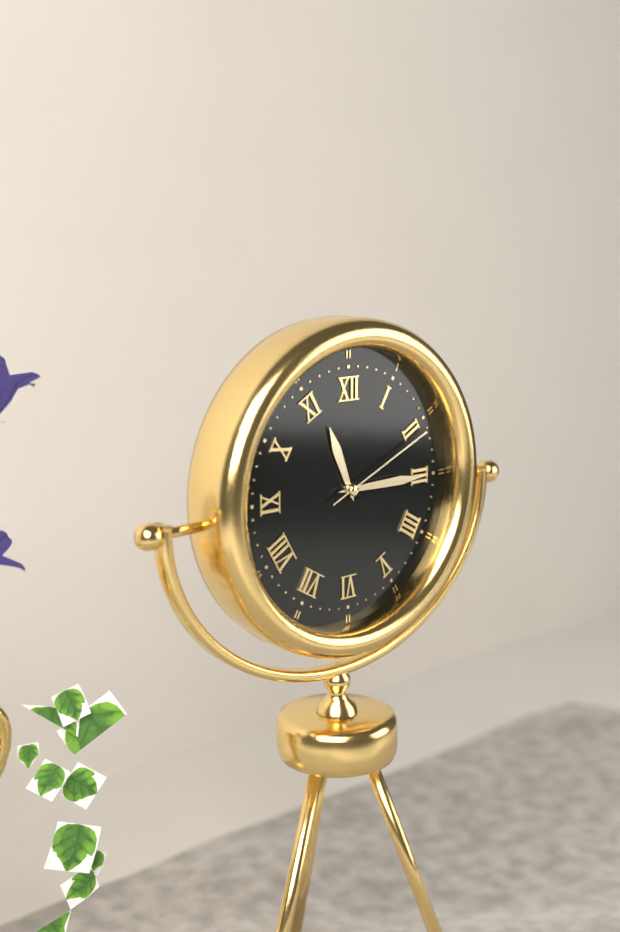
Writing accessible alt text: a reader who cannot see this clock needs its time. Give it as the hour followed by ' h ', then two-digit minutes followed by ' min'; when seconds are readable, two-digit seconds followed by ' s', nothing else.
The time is 11 h 15 min 11 s
